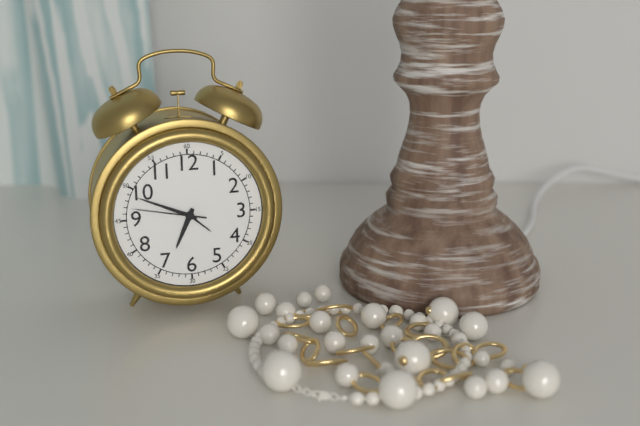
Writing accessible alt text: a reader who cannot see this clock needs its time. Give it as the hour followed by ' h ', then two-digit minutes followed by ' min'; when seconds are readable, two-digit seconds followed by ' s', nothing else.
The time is 6 h 49 min 47 s
